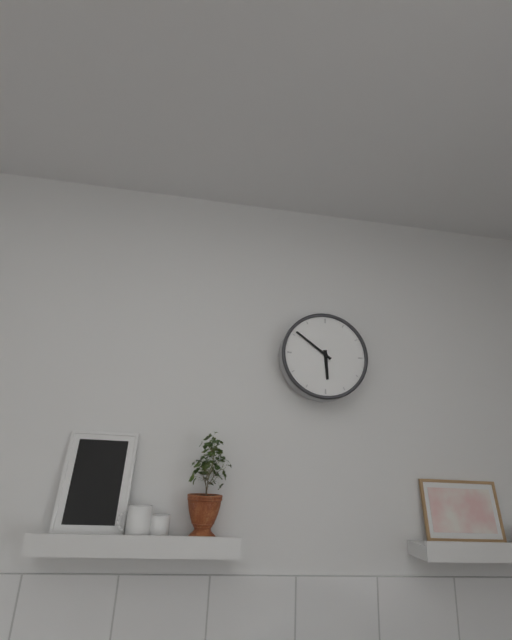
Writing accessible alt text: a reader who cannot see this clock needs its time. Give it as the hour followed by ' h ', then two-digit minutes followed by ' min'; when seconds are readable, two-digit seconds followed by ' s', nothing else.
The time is 5 h 51 min
